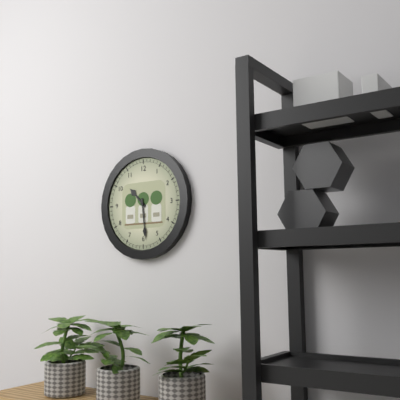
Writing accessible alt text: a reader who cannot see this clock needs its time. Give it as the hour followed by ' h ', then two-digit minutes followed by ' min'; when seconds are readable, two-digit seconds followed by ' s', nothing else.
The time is 10 h 29 min
